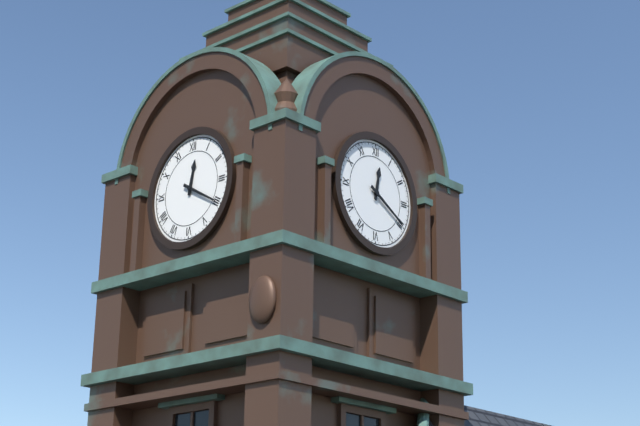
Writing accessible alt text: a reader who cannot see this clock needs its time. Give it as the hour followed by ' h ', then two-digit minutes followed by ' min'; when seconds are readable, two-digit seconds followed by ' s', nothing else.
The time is 12 h 20 min
